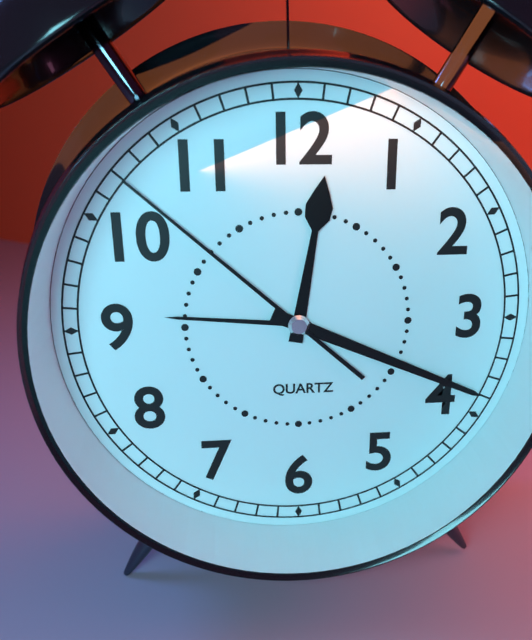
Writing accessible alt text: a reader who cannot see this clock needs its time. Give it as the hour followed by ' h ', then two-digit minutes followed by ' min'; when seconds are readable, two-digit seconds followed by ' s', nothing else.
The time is 12 h 19 min 52 s
